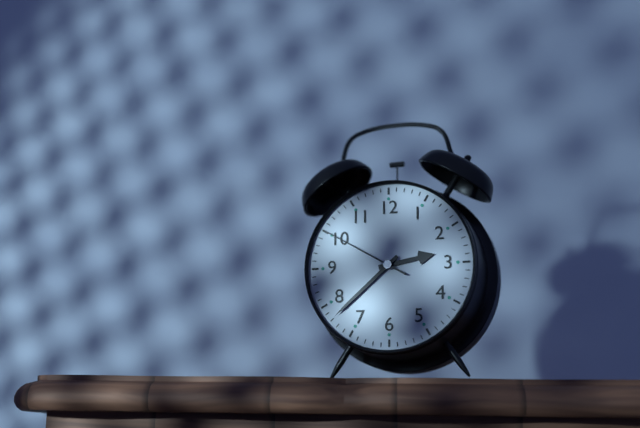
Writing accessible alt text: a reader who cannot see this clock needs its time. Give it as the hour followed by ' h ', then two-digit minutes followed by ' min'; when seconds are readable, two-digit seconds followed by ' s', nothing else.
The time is 2 h 38 min 50 s
